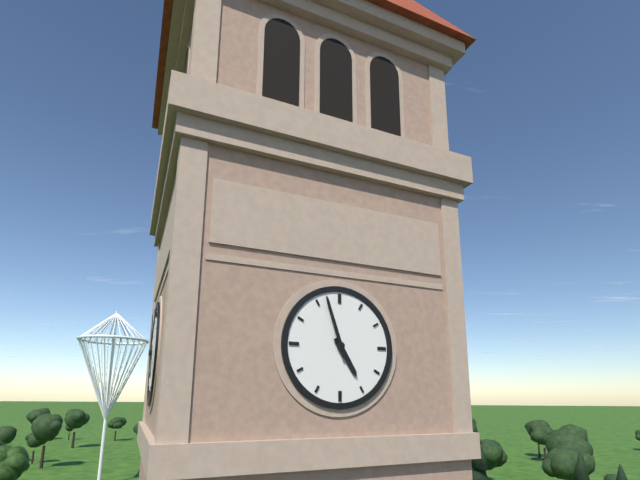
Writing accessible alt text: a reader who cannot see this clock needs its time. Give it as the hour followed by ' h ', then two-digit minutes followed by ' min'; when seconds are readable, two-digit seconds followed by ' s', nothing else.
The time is 4 h 57 min
